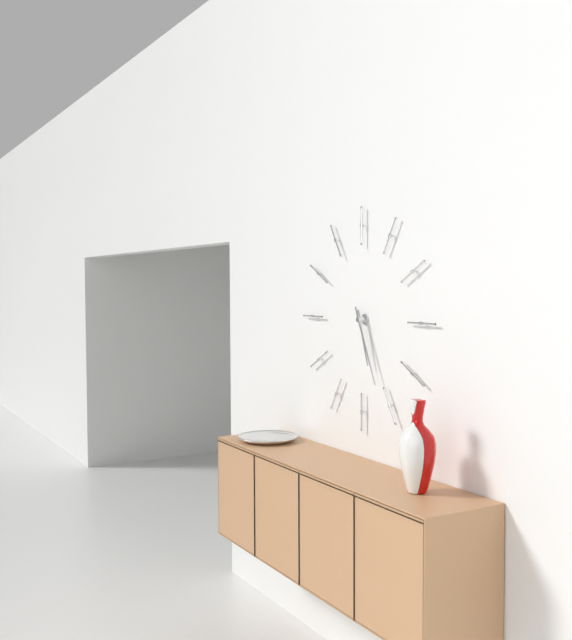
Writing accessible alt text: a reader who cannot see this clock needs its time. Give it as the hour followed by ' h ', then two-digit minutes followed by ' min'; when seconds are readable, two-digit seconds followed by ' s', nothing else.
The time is 5 h 26 min
